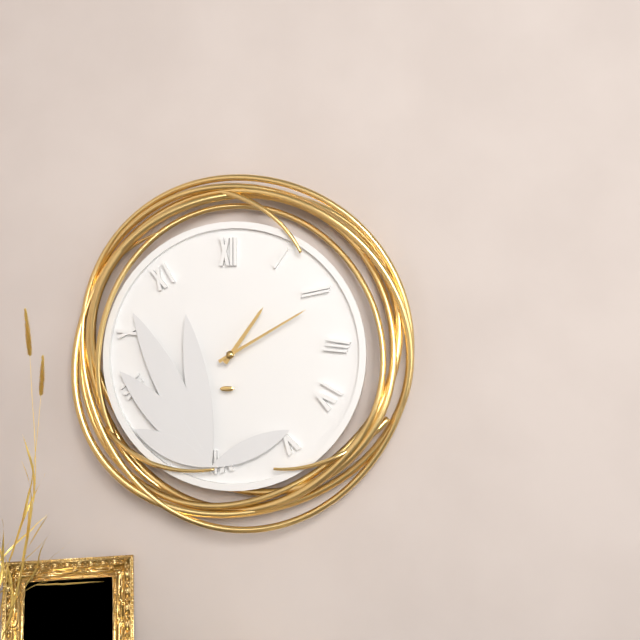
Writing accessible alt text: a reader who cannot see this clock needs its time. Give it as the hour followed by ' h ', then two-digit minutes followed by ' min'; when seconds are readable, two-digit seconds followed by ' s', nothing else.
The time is 1 h 10 min
